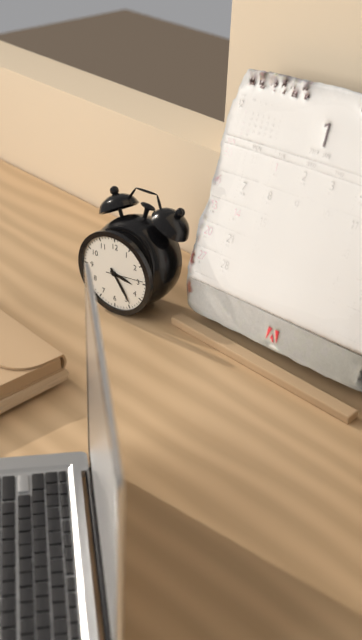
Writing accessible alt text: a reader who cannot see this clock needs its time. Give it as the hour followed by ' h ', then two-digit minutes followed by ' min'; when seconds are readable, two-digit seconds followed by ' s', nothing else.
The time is 3 h 24 min
